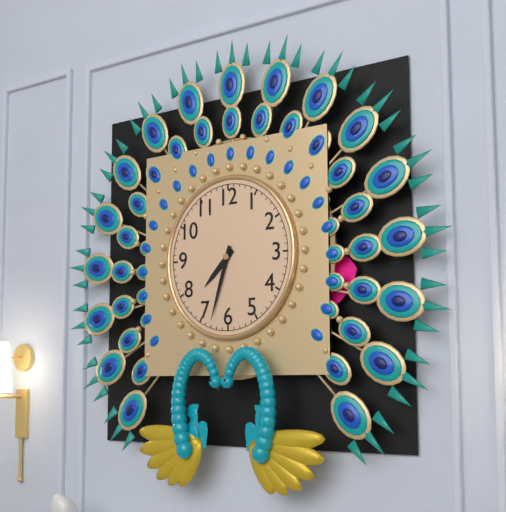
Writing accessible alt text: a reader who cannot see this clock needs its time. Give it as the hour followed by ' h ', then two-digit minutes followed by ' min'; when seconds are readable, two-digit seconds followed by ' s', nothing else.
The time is 7 h 33 min
